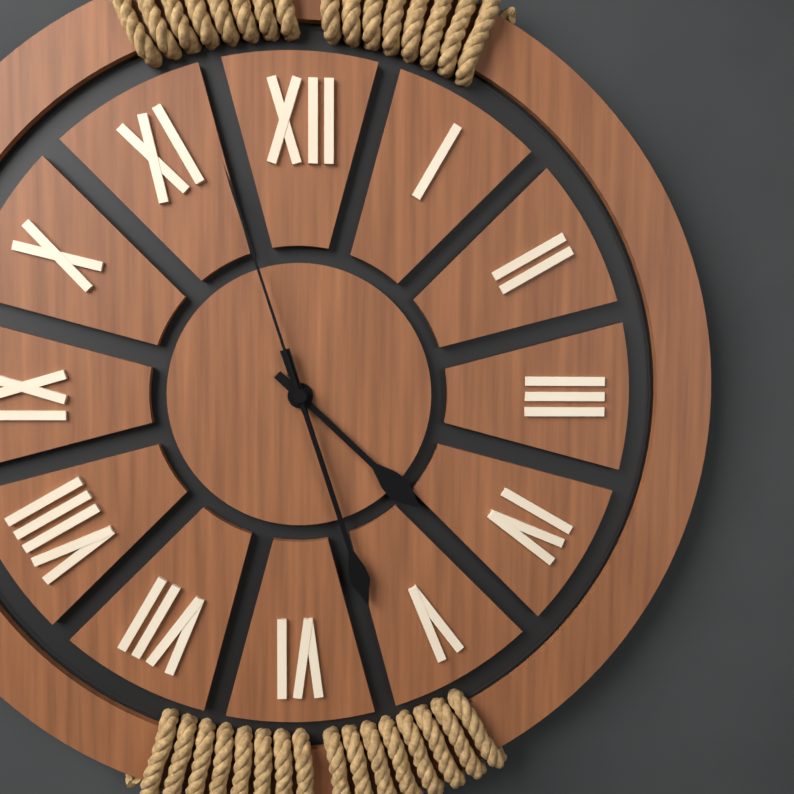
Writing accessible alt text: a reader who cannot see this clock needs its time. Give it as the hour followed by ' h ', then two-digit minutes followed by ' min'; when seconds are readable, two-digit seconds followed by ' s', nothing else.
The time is 4 h 27 min 57 s
